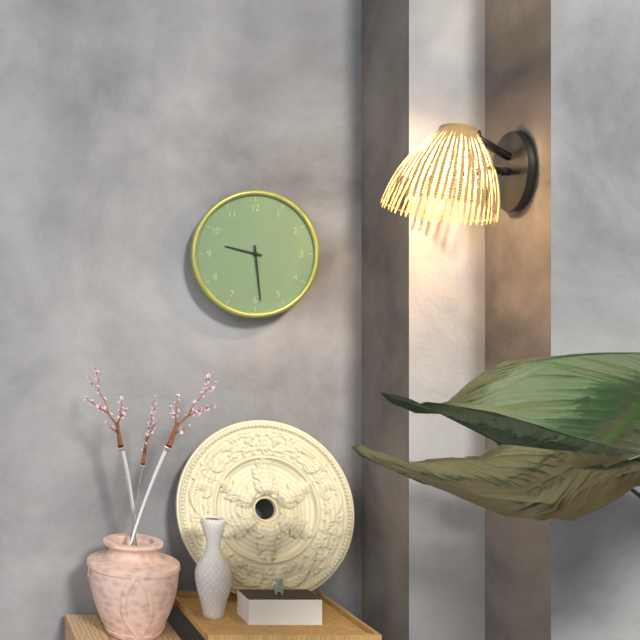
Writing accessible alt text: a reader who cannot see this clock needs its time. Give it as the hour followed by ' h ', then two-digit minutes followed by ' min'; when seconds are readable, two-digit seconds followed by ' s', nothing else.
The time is 9 h 29 min
